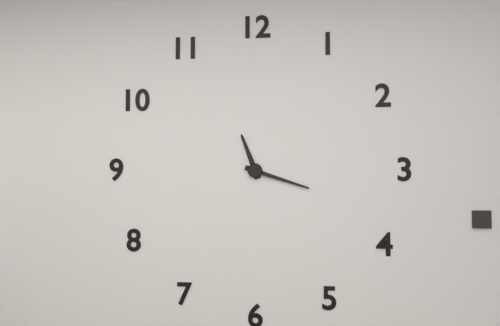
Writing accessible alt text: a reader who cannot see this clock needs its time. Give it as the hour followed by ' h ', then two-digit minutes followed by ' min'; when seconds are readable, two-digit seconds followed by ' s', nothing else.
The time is 11 h 18 min
